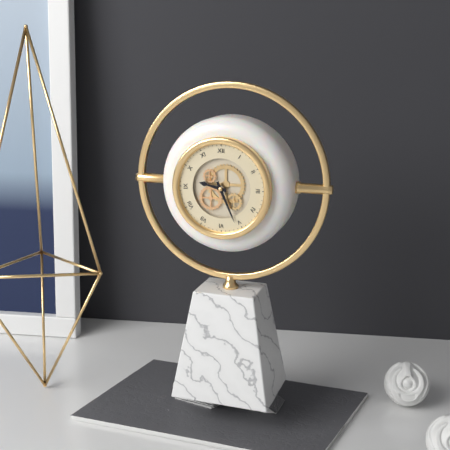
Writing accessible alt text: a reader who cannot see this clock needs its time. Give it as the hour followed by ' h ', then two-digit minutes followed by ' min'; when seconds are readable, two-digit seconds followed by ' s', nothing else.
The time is 9 h 26 min
